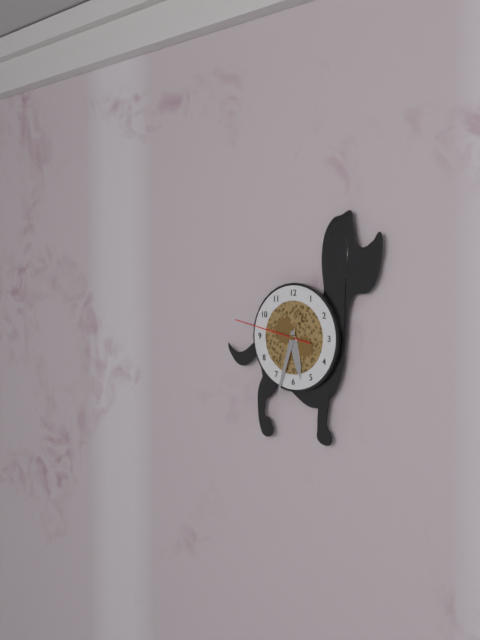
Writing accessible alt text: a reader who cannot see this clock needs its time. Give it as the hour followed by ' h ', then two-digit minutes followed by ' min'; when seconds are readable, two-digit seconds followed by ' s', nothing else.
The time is 5 h 33 min 47 s
